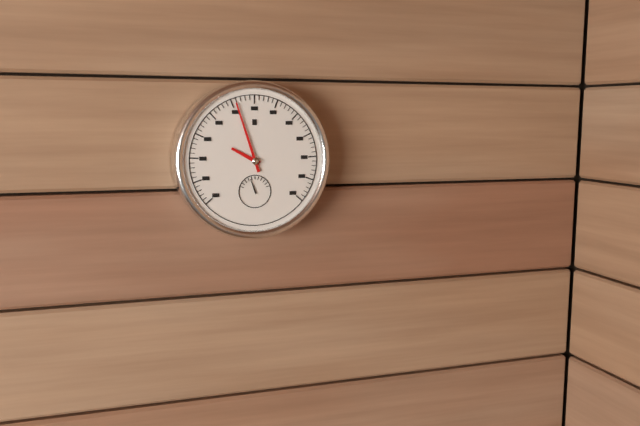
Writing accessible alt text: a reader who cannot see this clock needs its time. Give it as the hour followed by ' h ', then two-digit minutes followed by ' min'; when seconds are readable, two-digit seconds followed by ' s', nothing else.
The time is 9 h 57 min
